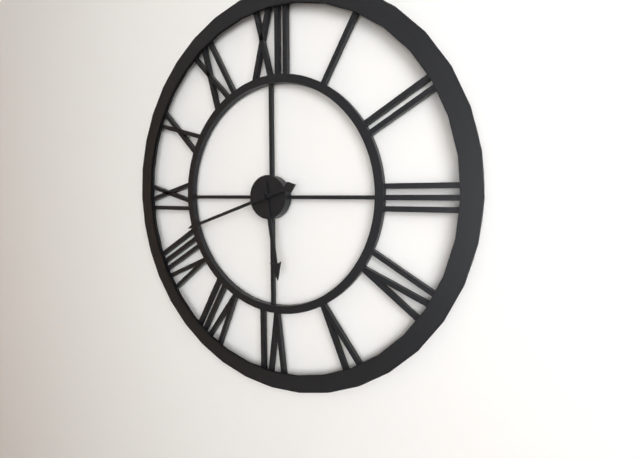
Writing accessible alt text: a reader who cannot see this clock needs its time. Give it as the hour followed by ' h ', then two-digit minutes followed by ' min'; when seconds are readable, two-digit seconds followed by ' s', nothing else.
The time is 5 h 42 min
